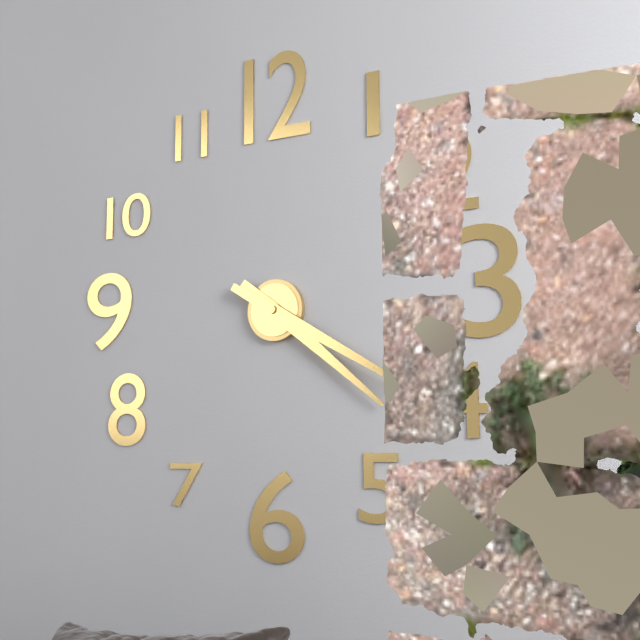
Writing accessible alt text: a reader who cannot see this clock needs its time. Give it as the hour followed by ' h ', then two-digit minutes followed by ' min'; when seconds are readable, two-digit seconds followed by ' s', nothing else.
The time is 4 h 20 min
